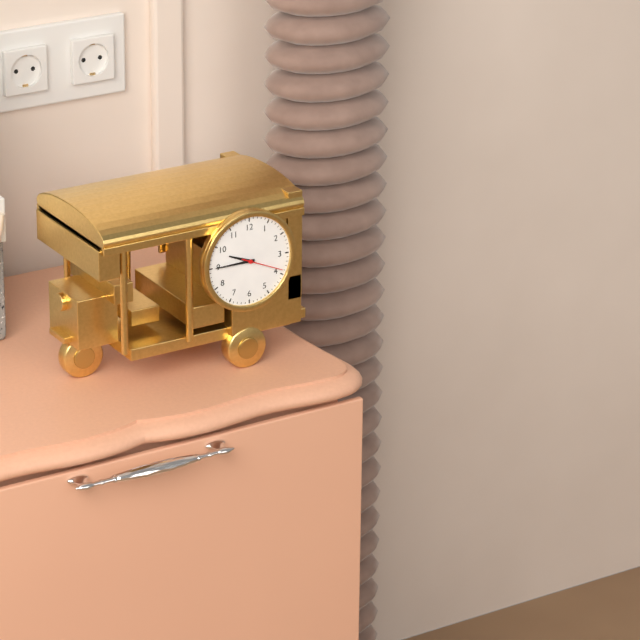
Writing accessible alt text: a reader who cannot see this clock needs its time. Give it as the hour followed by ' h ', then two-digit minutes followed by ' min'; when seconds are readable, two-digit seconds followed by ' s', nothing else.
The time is 9 h 45 min
